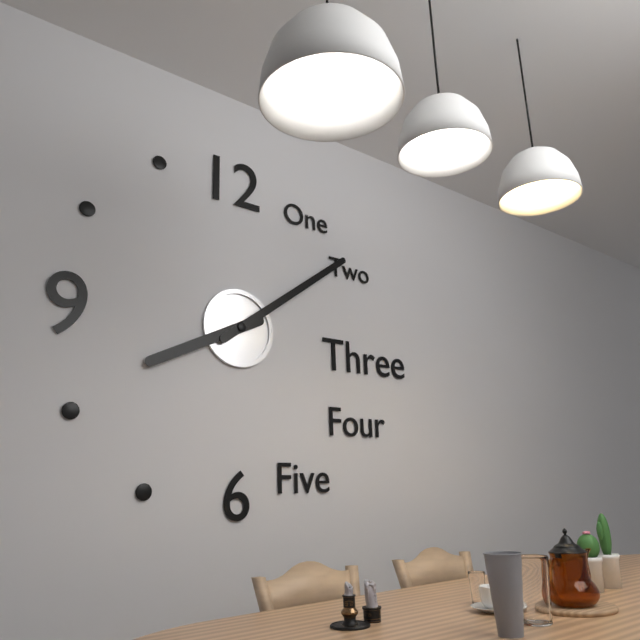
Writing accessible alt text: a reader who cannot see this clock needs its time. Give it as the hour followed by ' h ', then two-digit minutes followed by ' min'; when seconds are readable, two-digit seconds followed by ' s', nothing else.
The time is 8 h 09 min
